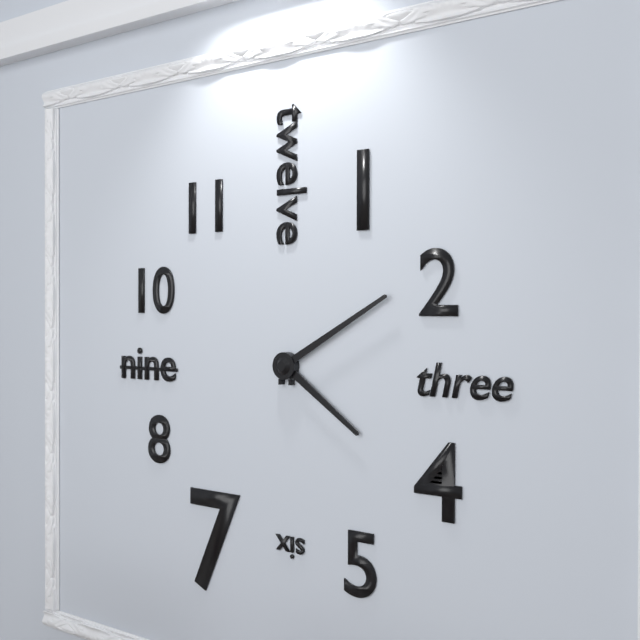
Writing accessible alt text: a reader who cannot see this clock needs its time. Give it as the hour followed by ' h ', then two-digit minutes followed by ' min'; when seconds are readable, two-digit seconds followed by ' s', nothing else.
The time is 4 h 10 min
